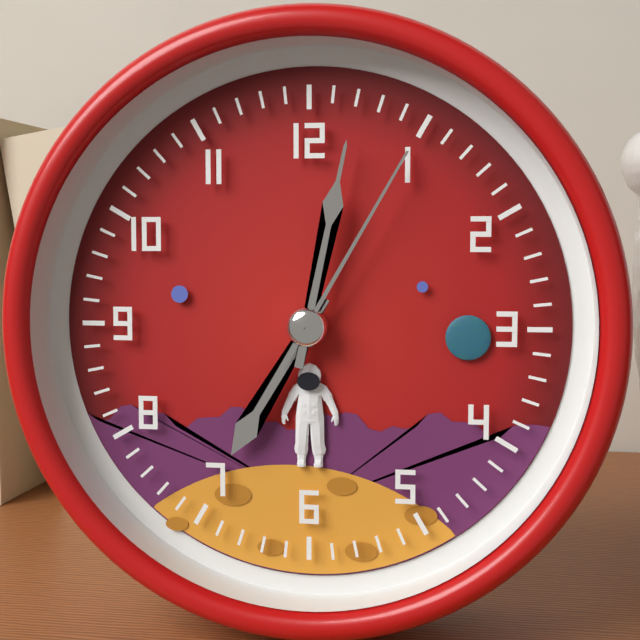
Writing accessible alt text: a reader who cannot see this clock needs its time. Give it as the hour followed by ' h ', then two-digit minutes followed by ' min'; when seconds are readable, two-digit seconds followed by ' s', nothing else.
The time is 7 h 02 min 05 s
